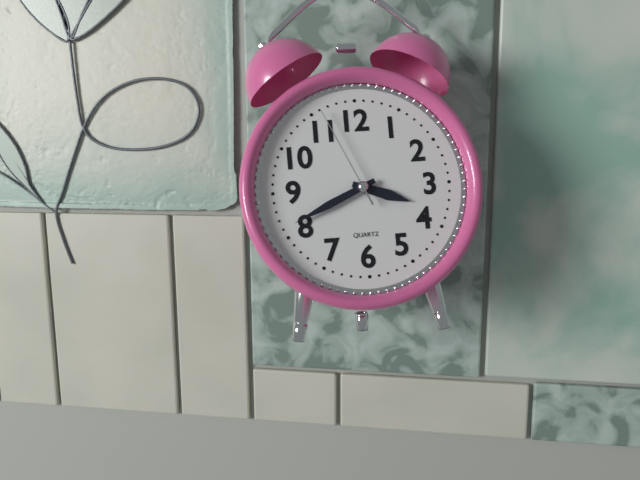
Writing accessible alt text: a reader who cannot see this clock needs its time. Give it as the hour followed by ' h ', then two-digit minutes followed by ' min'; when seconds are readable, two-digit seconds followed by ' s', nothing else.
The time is 3 h 41 min 56 s
